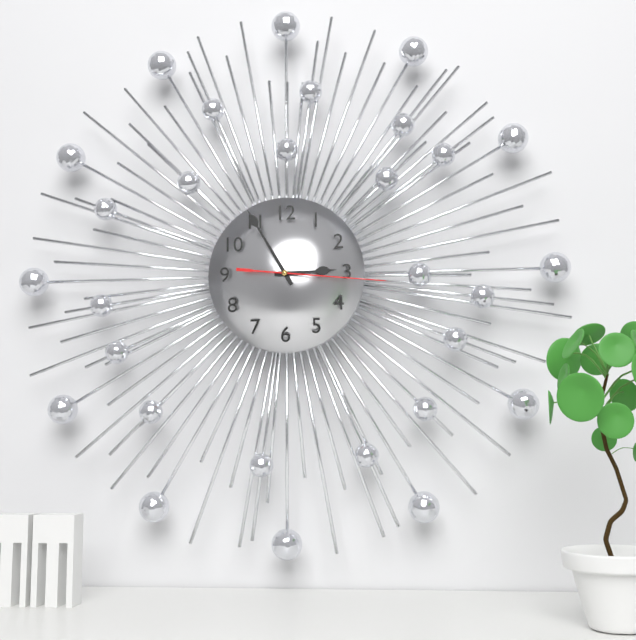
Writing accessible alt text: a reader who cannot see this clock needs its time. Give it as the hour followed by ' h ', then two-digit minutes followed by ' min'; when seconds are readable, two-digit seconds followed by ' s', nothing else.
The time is 2 h 55 min 16 s
